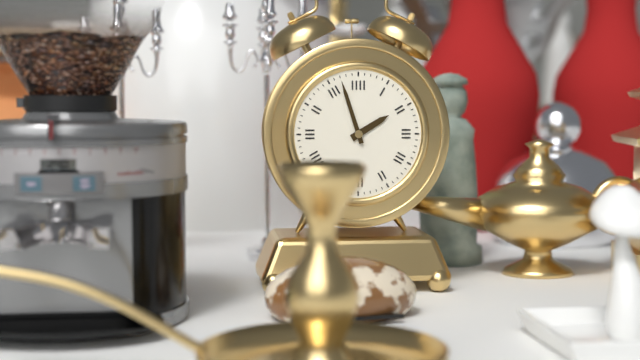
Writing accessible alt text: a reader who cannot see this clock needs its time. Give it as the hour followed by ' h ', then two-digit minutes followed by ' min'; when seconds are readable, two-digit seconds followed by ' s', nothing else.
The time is 1 h 57 min
